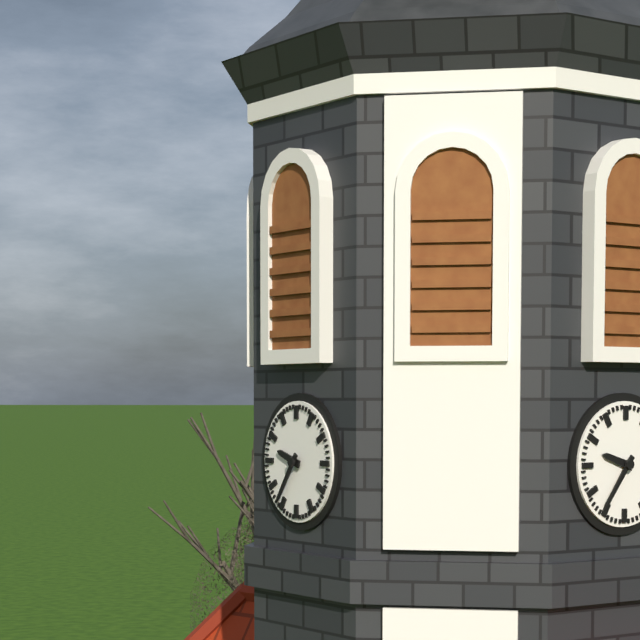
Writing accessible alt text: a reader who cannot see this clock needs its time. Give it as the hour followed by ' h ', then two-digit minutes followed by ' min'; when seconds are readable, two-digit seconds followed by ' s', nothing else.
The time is 9 h 36 min
